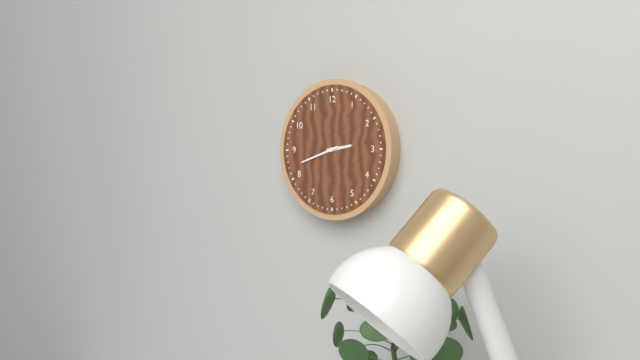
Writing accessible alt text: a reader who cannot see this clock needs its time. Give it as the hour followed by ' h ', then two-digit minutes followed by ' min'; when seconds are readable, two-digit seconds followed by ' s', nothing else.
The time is 2 h 42 min
